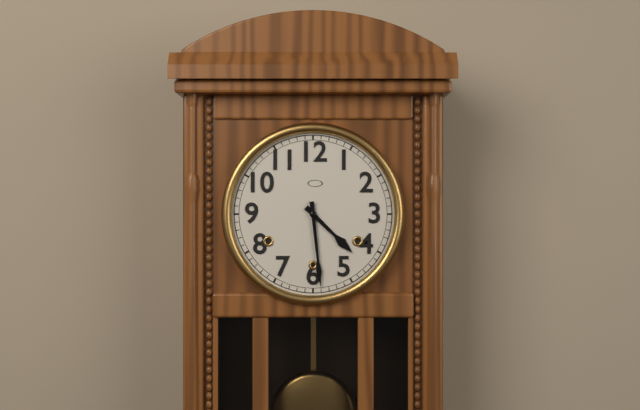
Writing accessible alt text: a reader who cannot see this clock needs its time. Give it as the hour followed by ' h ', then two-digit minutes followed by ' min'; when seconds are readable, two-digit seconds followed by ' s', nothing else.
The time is 4 h 29 min
